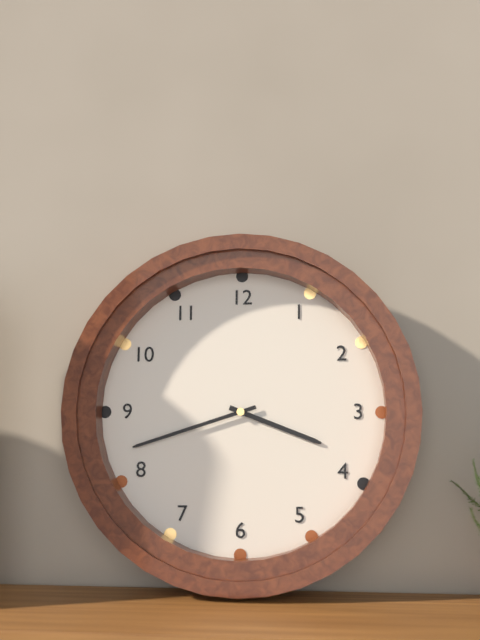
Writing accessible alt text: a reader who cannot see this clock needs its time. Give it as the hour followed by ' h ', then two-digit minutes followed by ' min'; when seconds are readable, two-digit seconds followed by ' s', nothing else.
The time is 3 h 42 min
